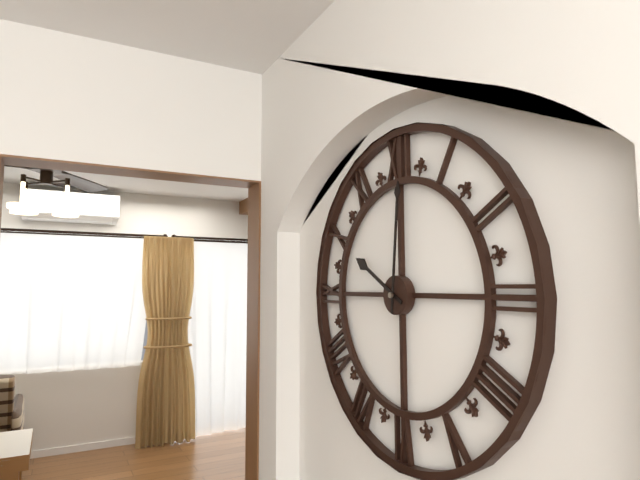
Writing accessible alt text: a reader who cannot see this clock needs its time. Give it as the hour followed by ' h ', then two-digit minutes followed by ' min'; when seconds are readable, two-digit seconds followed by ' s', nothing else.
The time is 10 h 01 min
